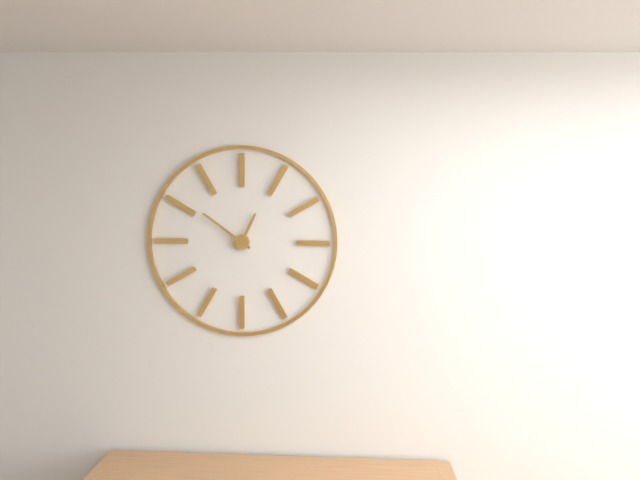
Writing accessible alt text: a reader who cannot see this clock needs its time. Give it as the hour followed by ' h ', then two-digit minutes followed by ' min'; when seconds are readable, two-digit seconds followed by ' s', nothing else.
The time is 12 h 51 min
